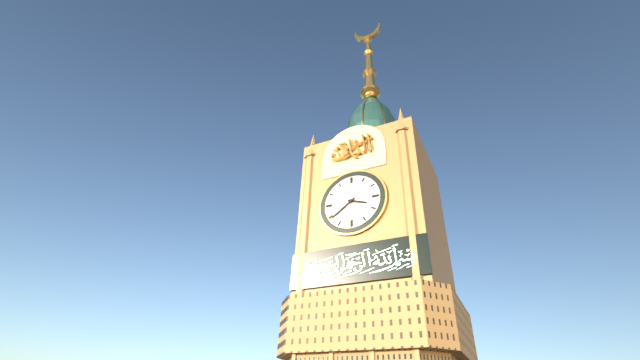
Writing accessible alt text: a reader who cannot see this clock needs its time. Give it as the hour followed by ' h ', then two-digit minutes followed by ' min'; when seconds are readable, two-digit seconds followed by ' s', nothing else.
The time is 3 h 39 min
